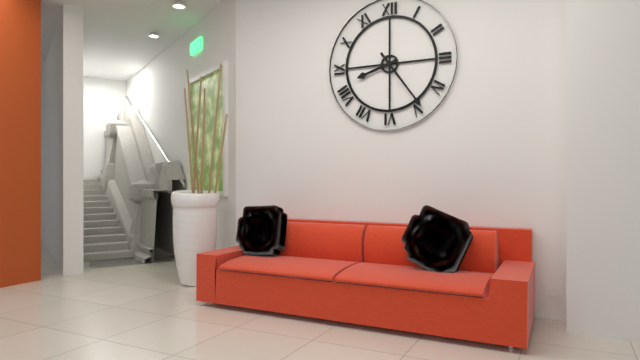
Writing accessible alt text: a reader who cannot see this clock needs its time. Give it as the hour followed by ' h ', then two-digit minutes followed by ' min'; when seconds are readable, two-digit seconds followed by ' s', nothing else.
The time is 8 h 24 min
